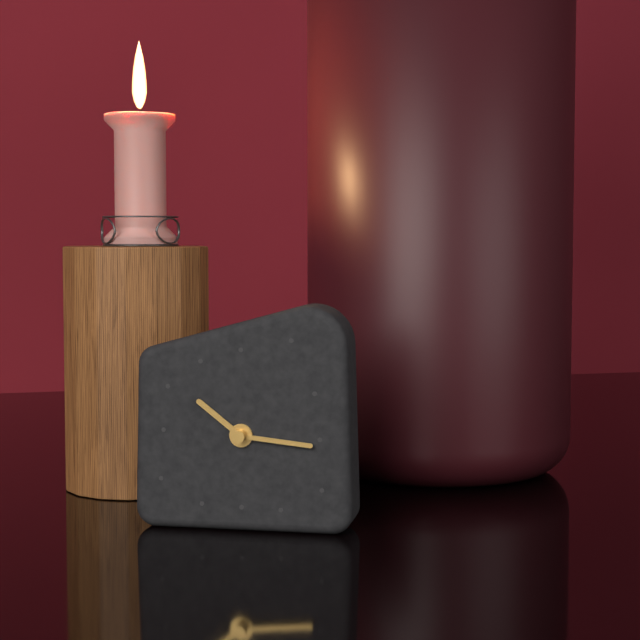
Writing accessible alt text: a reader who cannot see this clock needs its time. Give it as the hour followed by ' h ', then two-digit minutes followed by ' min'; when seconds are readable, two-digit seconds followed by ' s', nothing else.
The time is 10 h 16 min
